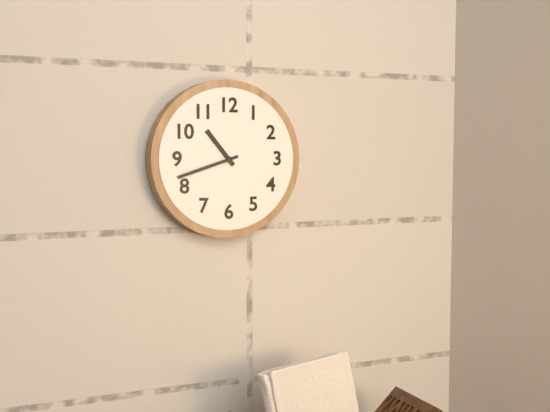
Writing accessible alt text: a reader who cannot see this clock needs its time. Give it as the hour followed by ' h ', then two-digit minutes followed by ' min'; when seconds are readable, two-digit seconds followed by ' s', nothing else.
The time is 10 h 42 min
